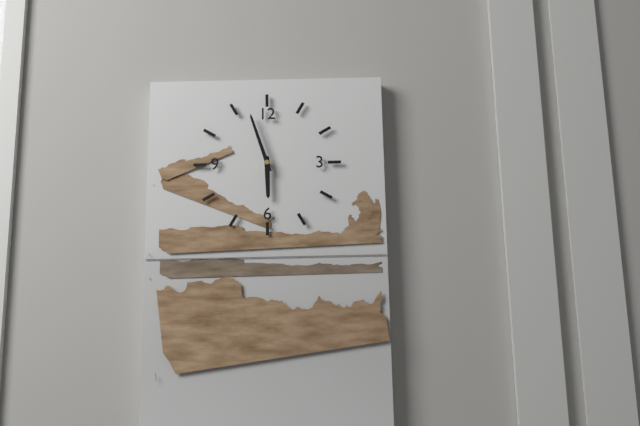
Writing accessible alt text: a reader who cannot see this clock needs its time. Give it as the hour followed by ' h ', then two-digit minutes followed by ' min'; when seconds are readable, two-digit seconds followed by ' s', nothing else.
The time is 5 h 57 min
